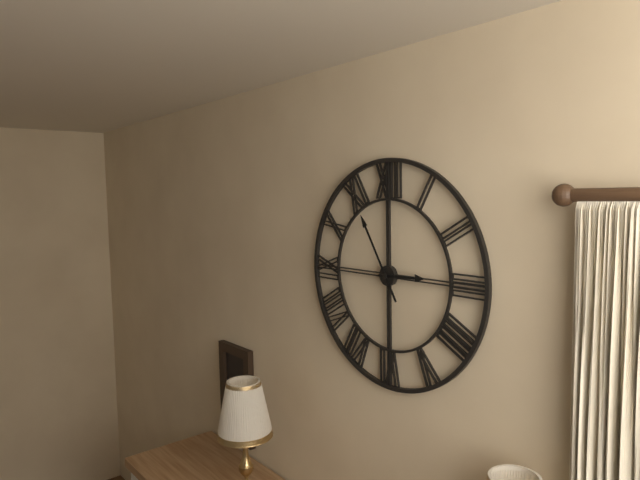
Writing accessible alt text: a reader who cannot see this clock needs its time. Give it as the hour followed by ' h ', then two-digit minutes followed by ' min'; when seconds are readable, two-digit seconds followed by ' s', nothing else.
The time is 2 h 55 min
